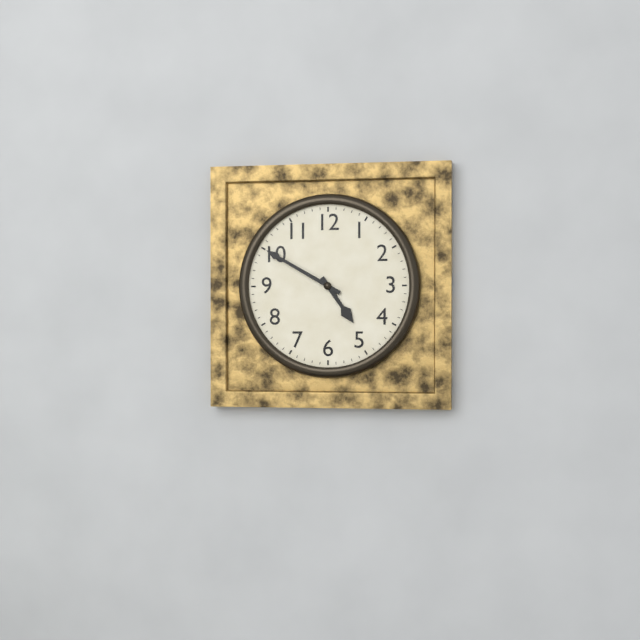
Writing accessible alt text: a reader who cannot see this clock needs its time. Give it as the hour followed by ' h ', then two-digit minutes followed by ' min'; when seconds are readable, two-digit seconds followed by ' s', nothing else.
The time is 4 h 50 min
